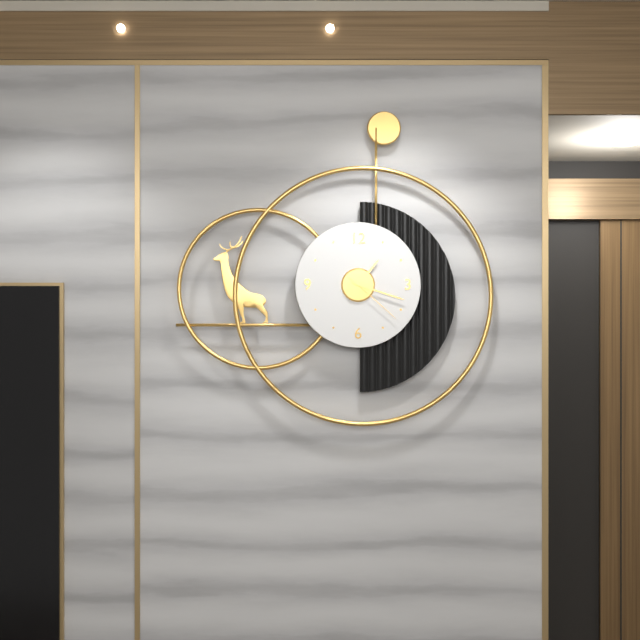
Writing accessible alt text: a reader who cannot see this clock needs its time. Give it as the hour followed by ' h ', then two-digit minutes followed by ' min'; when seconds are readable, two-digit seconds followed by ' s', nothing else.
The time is 1 h 18 min 22 s
